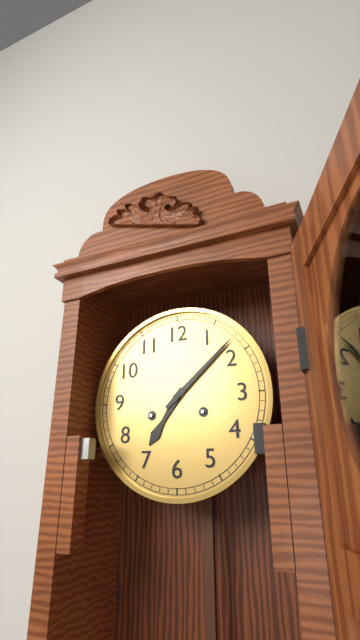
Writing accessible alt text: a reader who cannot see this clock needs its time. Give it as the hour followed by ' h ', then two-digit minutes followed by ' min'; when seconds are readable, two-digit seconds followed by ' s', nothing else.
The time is 7 h 08 min
